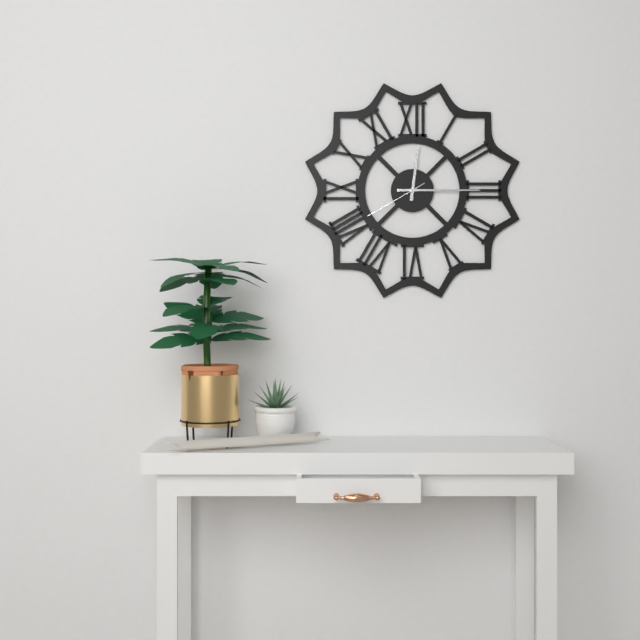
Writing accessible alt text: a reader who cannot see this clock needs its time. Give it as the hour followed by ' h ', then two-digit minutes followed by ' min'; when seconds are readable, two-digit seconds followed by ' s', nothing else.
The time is 12 h 15 min 40 s
